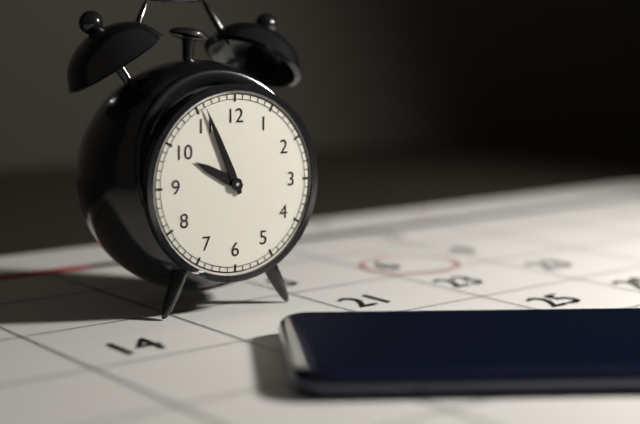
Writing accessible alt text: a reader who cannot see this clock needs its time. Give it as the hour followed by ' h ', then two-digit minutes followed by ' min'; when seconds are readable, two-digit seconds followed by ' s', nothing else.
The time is 9 h 56 min
